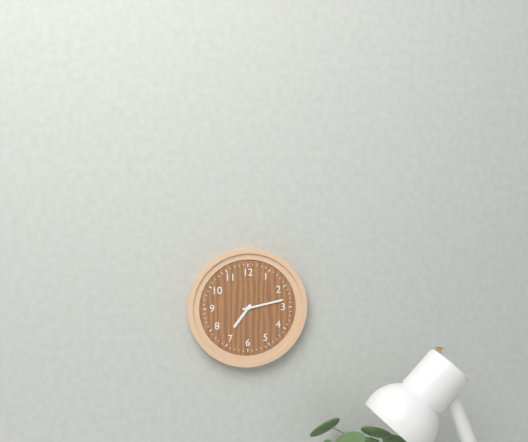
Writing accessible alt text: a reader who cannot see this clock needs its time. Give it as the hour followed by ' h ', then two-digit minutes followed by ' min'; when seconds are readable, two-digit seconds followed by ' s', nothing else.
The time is 7 h 13 min
